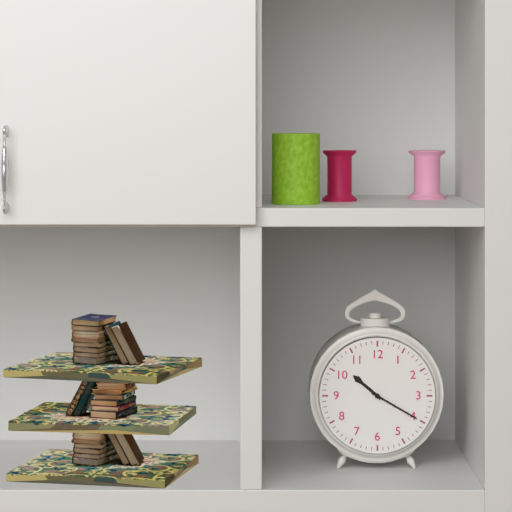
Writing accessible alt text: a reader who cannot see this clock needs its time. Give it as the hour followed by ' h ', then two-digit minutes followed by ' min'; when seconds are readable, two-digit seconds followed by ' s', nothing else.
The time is 10 h 20 min
